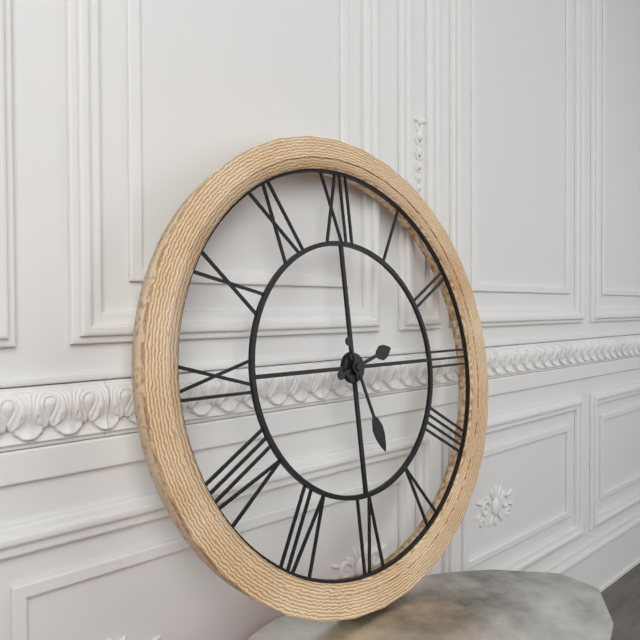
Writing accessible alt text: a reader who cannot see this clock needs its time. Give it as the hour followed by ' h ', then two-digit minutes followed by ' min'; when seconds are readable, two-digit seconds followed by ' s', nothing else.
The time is 2 h 27 min
